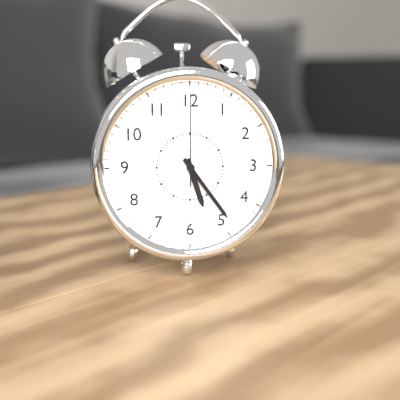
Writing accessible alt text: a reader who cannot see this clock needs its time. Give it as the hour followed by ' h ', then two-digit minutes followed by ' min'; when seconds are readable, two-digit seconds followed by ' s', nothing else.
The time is 5 h 24 min 00 s
